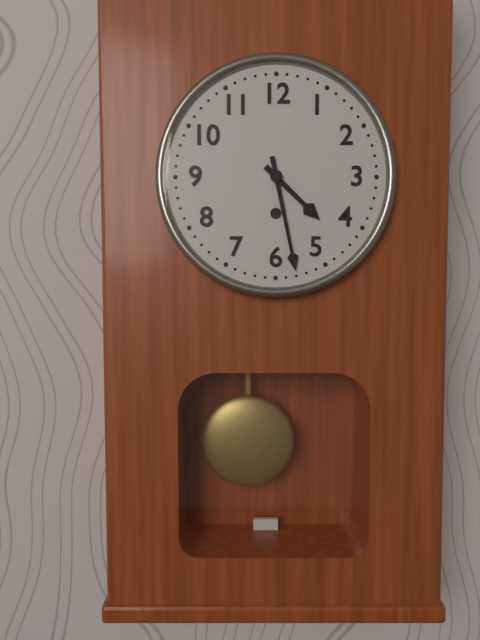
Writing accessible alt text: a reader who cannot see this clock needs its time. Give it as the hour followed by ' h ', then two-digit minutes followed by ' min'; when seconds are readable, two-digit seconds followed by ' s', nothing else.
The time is 4 h 28 min
